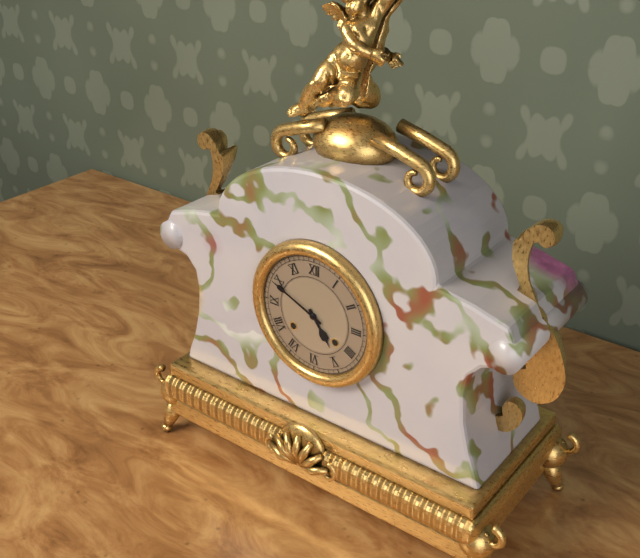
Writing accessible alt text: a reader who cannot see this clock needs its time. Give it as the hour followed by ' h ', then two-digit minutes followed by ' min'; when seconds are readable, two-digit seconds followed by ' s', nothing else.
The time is 4 h 49 min
